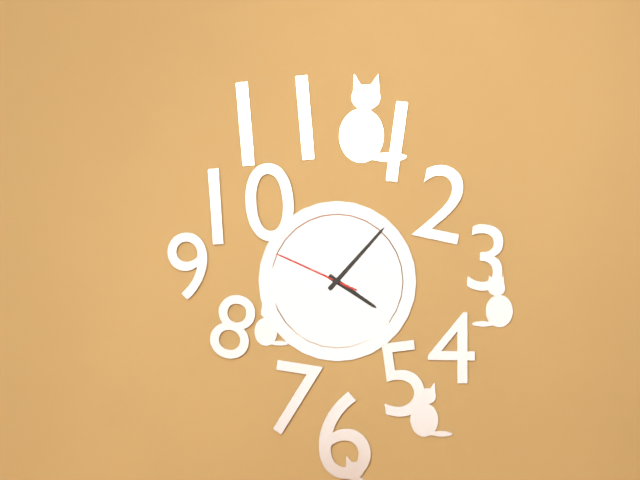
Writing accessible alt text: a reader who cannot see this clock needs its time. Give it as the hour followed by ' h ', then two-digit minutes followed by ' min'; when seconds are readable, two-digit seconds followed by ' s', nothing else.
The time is 4 h 07 min 49 s
